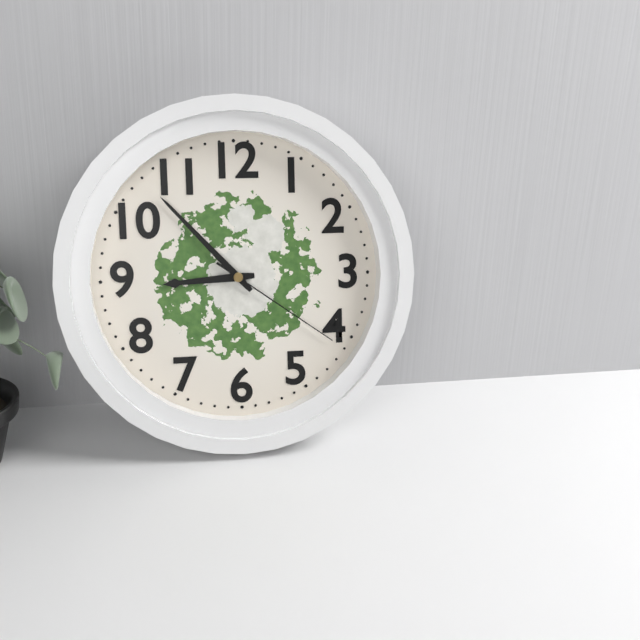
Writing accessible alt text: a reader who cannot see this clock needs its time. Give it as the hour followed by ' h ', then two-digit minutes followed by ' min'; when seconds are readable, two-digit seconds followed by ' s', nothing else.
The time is 8 h 53 min 21 s
